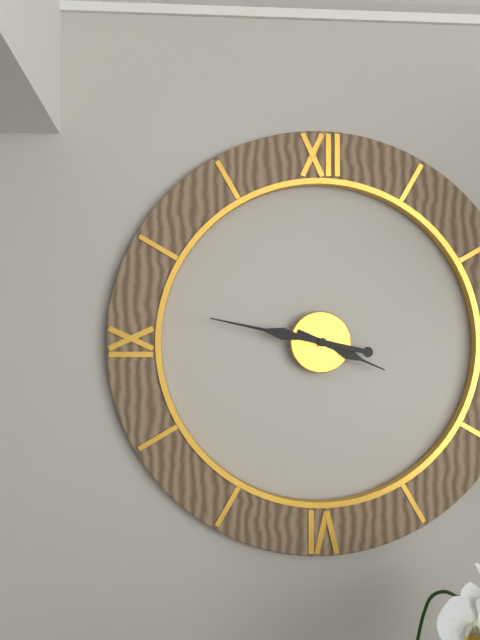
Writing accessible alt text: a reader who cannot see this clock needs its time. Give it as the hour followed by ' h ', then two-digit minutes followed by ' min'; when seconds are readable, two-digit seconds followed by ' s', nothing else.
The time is 3 h 47 min
